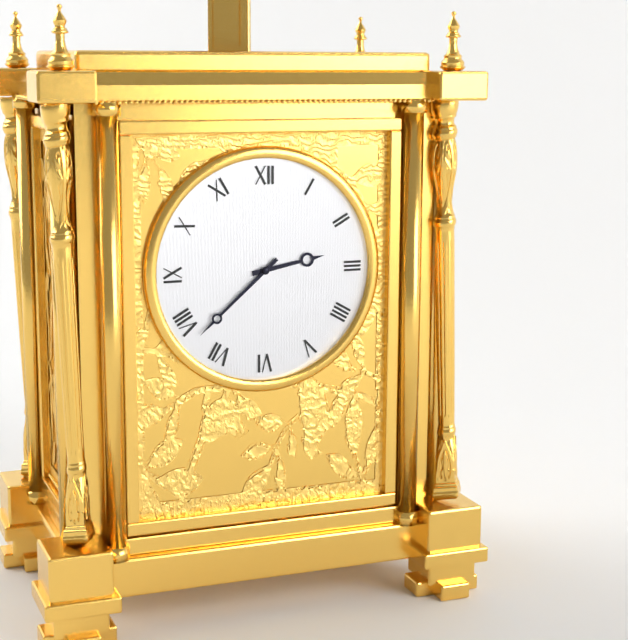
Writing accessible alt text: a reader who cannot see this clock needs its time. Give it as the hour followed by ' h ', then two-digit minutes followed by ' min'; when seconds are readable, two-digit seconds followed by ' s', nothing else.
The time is 2 h 38 min
